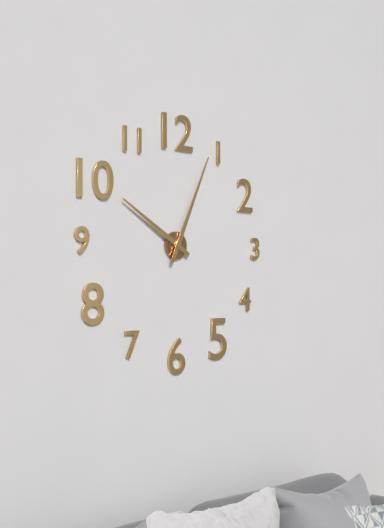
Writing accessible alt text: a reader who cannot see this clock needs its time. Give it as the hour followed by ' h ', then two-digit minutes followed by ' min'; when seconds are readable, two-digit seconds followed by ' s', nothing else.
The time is 10 h 04 min
